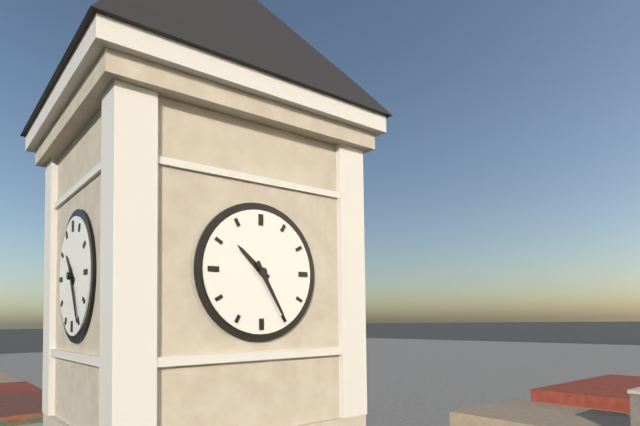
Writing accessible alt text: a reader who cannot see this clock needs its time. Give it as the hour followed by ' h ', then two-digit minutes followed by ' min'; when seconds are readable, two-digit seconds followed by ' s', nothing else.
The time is 10 h 25 min
